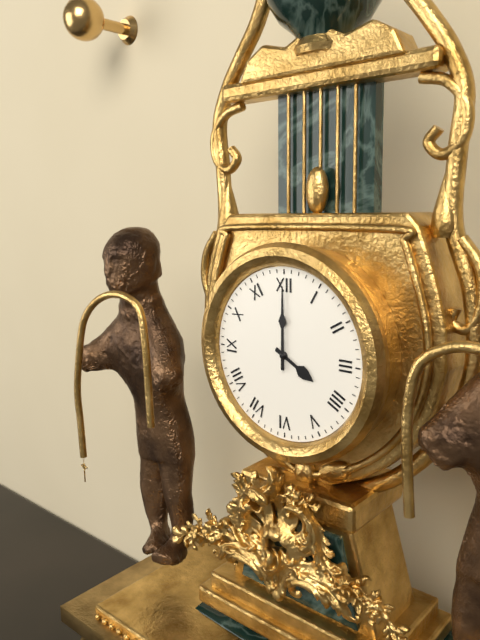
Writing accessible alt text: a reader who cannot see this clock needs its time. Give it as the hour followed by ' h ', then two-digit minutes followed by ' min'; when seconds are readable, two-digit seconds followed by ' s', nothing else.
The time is 4 h 00 min
